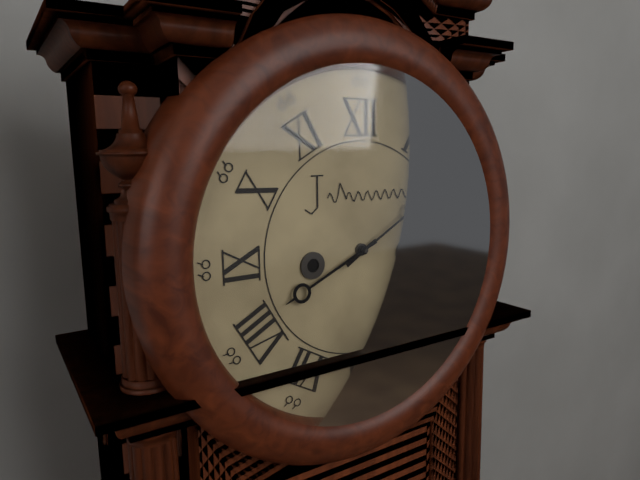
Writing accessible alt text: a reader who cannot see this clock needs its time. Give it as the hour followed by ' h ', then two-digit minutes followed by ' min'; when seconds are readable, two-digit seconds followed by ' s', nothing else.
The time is 8 h 10 min
